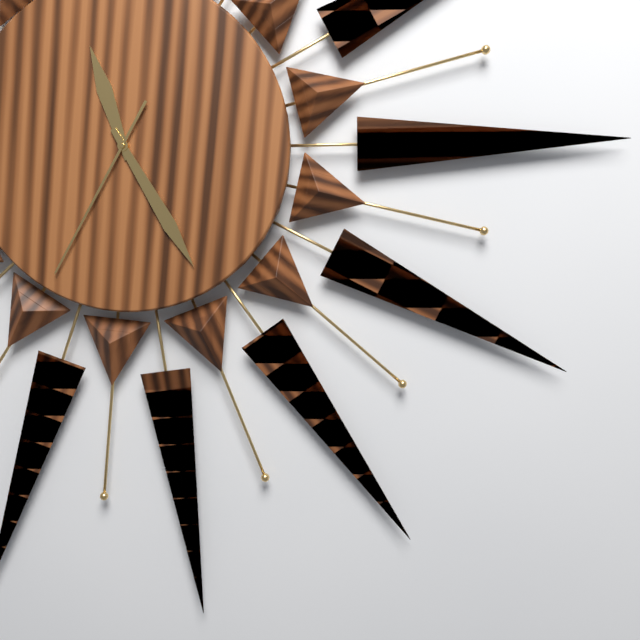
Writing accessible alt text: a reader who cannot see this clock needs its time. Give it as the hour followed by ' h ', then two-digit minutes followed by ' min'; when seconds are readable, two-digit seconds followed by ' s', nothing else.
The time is 11 h 25 min 35 s
